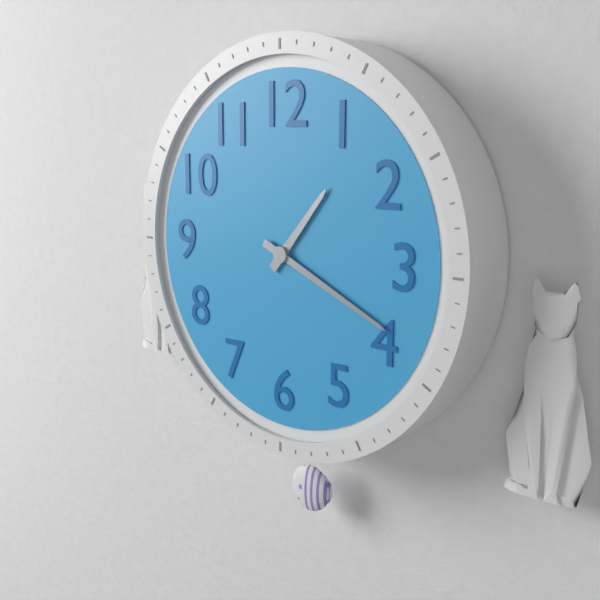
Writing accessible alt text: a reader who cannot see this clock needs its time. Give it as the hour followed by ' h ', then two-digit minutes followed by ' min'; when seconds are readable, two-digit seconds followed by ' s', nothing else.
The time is 1 h 19 min
